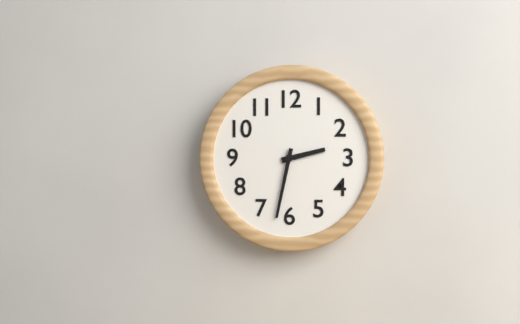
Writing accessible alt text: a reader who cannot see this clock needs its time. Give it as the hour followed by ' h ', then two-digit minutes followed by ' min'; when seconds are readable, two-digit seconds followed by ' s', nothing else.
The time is 2 h 32 min
